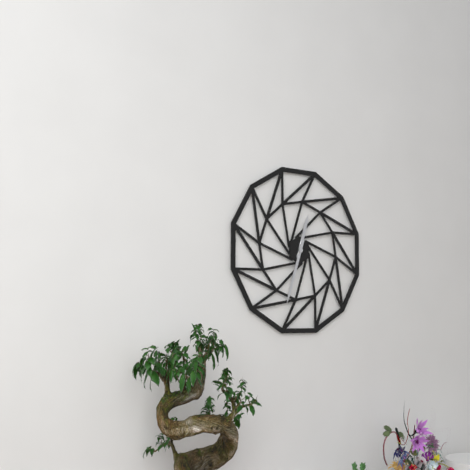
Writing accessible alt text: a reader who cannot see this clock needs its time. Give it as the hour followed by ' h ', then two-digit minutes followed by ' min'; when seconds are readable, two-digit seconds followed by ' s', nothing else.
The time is 12 h 33 min
